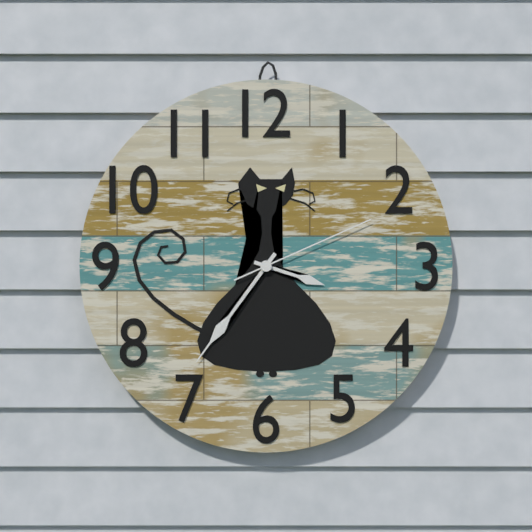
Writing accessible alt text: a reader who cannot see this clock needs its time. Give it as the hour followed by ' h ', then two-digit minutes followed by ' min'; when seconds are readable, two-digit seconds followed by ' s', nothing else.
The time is 3 h 36 min 11 s
